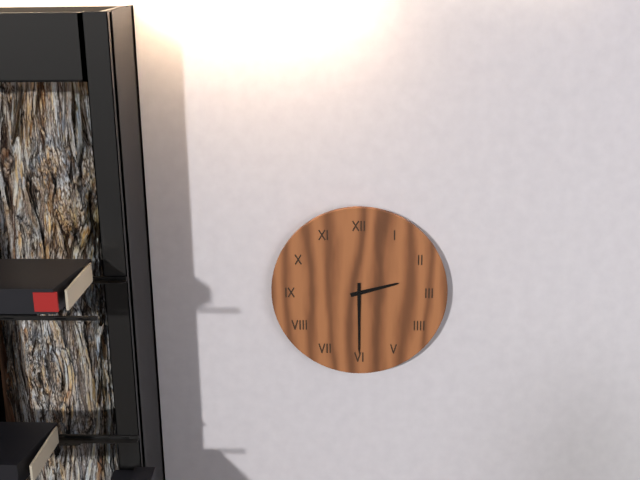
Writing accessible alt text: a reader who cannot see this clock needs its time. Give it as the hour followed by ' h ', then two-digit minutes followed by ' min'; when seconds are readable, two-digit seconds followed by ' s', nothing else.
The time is 2 h 30 min
